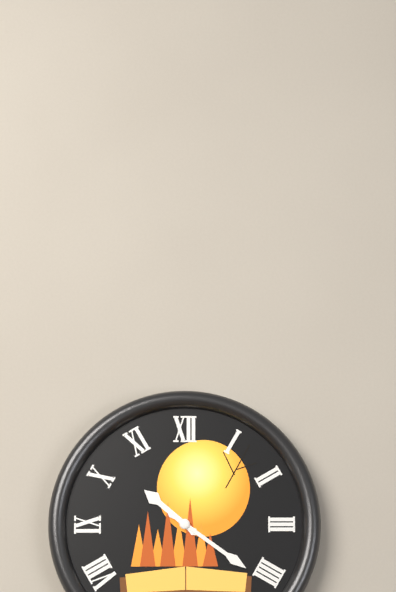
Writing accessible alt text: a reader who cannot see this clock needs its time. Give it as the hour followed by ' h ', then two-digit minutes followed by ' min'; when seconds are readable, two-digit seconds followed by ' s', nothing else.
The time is 10 h 21 min
